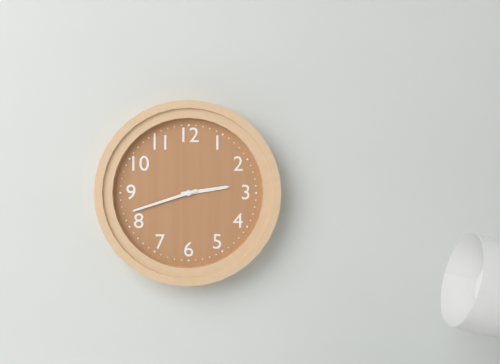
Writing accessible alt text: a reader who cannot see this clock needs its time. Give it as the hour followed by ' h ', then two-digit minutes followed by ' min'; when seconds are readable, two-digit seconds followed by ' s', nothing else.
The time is 2 h 42 min
